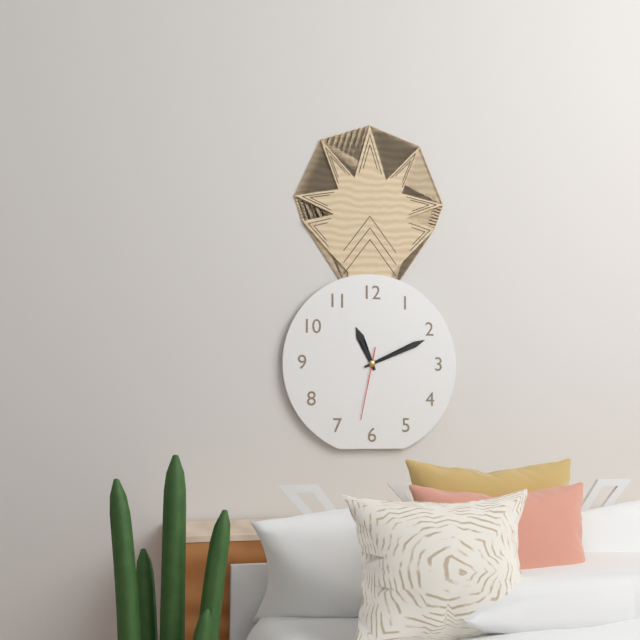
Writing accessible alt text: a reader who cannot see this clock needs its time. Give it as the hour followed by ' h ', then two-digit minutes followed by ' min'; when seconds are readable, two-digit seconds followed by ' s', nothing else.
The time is 11 h 11 min 32 s
